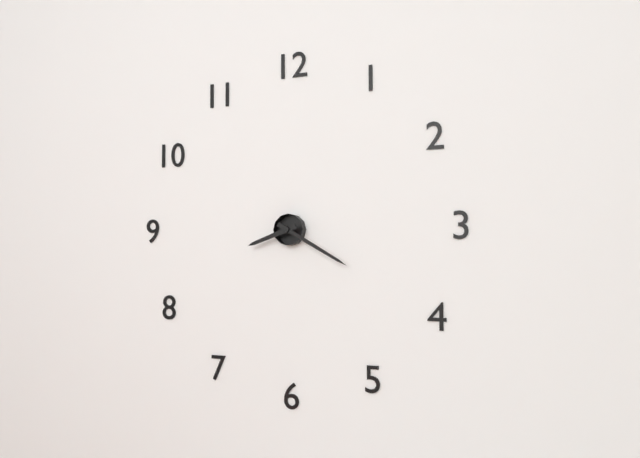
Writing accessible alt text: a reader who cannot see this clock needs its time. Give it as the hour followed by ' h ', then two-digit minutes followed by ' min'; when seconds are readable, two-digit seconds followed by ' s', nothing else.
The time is 8 h 20 min
